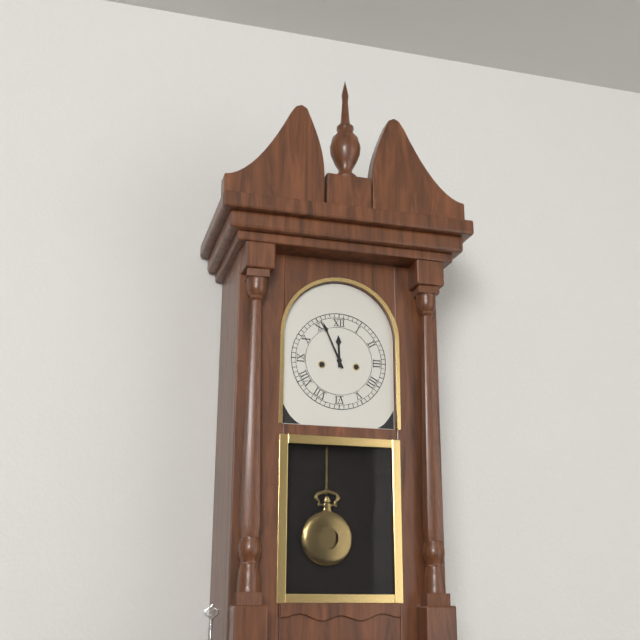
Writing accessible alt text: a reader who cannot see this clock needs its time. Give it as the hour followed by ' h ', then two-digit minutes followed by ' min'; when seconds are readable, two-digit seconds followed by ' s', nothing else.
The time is 11 h 56 min
